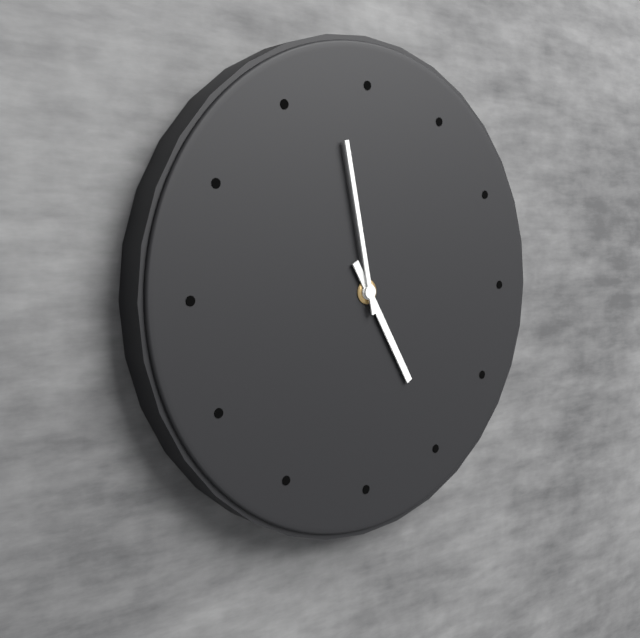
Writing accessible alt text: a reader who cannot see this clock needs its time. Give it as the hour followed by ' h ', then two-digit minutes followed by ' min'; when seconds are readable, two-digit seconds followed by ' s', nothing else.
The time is 4 h 58 min
